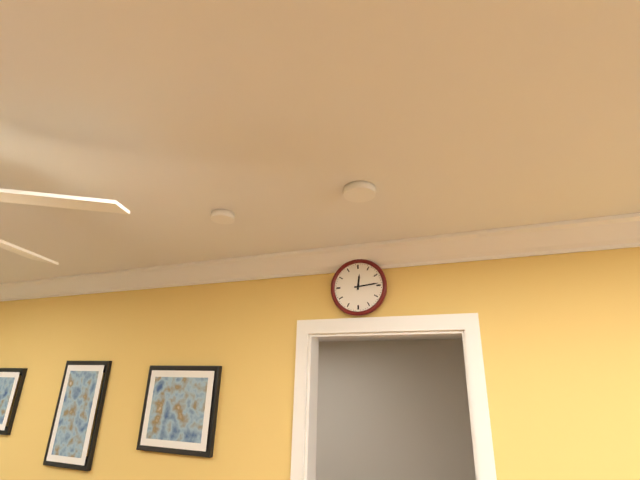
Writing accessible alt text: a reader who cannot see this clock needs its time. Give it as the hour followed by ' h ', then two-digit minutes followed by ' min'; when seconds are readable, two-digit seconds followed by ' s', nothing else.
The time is 12 h 14 min
